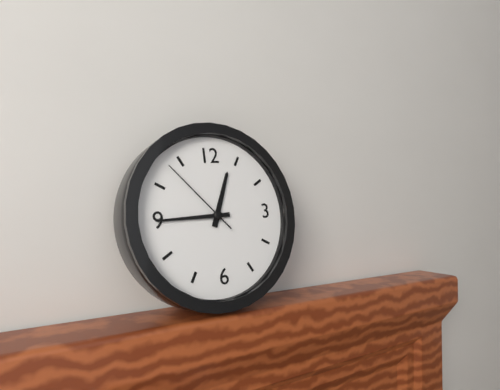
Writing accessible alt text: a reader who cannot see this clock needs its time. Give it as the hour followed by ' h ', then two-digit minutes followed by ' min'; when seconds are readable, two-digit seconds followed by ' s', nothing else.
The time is 12 h 45 min 53 s
